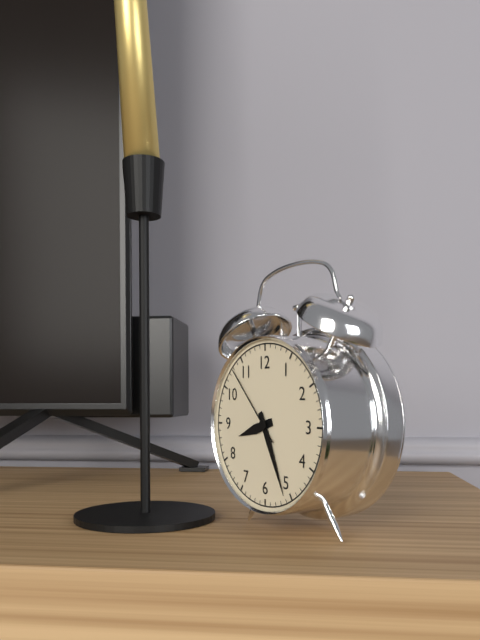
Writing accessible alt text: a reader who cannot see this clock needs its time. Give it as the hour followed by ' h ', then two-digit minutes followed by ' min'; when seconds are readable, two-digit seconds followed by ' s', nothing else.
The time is 8 h 26 min 53 s
